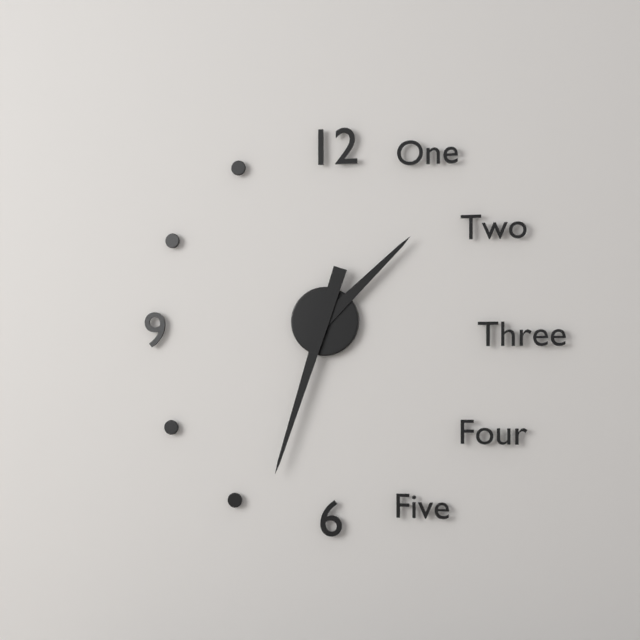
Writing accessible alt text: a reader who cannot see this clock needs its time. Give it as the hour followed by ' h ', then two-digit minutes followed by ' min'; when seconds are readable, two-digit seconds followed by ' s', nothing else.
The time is 1 h 33 min
